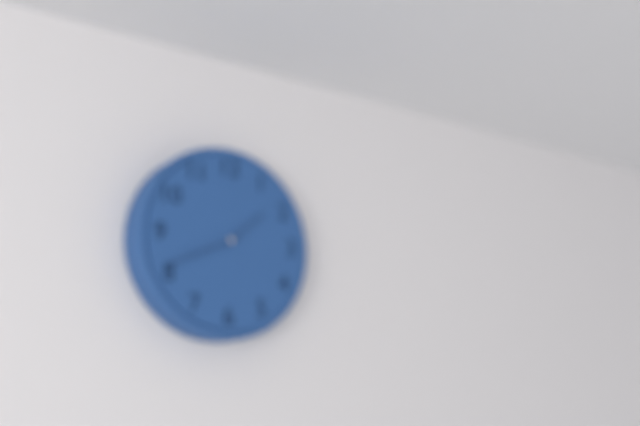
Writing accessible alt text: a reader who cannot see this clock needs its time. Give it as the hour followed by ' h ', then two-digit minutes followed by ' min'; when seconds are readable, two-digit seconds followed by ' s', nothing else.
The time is 1 h 41 min
